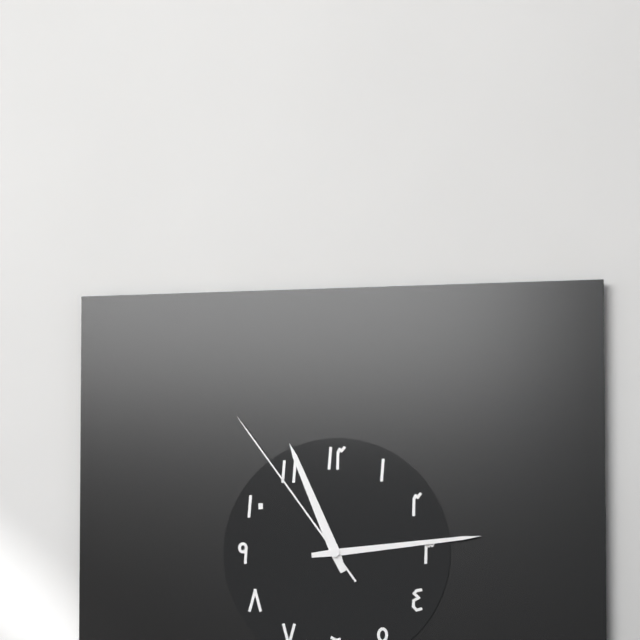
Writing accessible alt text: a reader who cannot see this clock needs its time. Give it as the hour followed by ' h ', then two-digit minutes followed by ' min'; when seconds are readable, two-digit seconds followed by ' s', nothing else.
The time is 11 h 14 min 54 s
